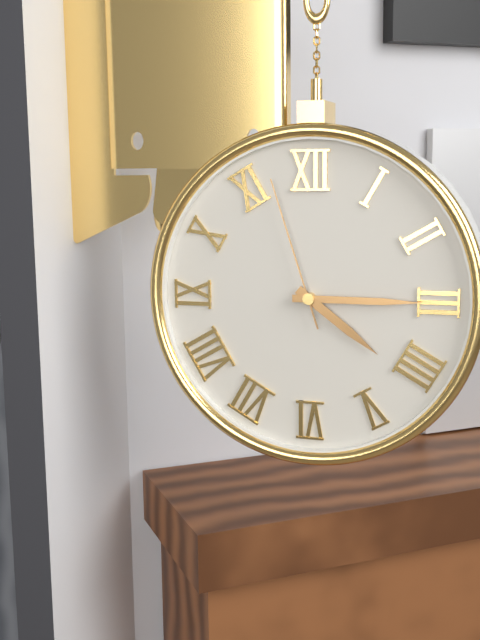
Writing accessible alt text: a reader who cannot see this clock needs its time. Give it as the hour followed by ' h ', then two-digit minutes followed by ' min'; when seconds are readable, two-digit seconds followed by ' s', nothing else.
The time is 4 h 15 min 57 s
